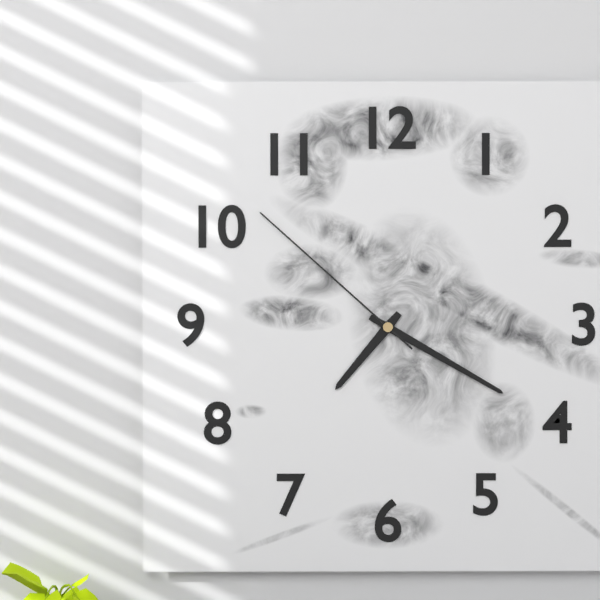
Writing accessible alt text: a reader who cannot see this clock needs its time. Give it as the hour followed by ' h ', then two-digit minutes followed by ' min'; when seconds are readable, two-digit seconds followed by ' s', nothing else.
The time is 7 h 20 min 52 s
